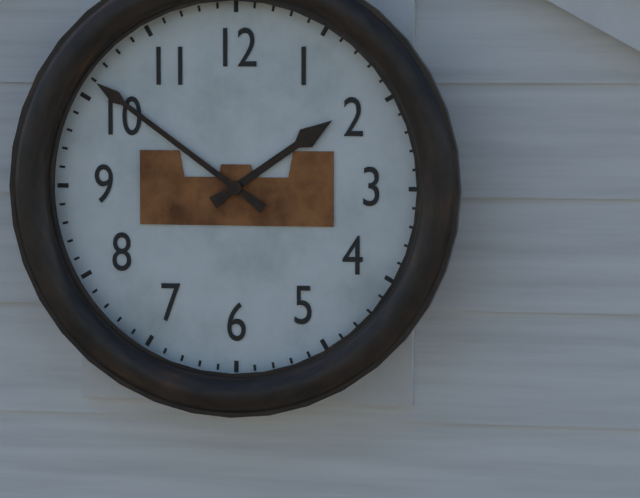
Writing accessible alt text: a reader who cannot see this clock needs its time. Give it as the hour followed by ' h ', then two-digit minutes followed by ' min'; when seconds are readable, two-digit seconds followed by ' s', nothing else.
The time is 1 h 51 min
